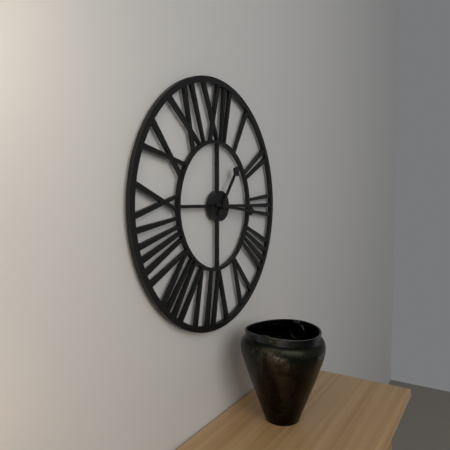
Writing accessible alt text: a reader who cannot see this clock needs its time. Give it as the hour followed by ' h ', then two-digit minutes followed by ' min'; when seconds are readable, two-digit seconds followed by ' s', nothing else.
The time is 1 h 16 min
